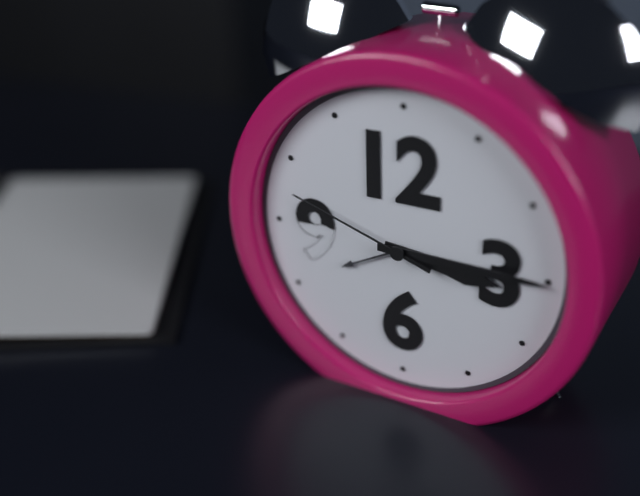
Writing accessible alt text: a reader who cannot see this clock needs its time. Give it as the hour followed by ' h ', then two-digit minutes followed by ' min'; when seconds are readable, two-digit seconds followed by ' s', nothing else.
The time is 3 h 15 min 48 s
